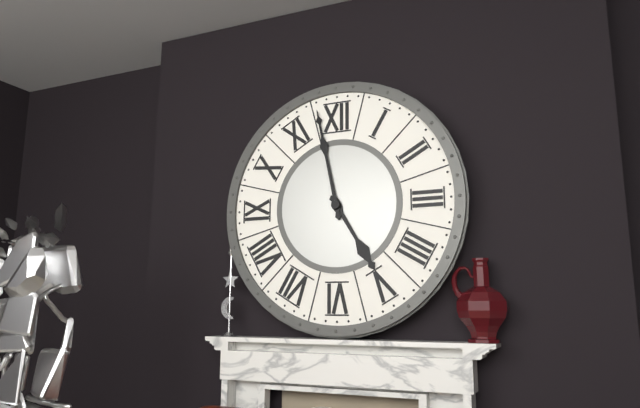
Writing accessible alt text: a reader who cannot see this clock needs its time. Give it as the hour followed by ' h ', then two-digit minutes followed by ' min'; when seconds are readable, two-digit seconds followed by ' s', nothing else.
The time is 4 h 58 min
